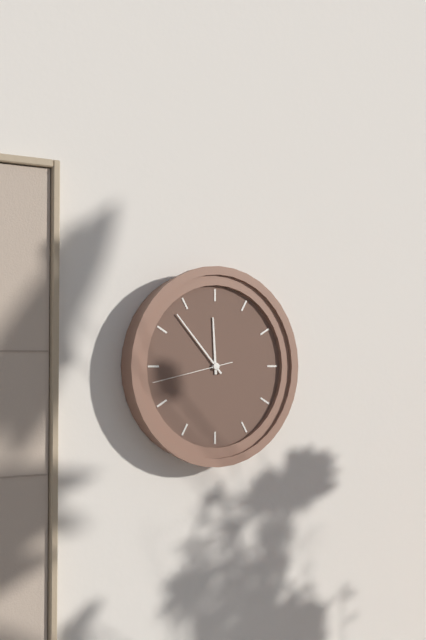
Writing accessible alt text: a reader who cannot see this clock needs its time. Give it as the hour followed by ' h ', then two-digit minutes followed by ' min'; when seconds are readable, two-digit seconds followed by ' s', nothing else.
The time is 11 h 53 min 43 s
